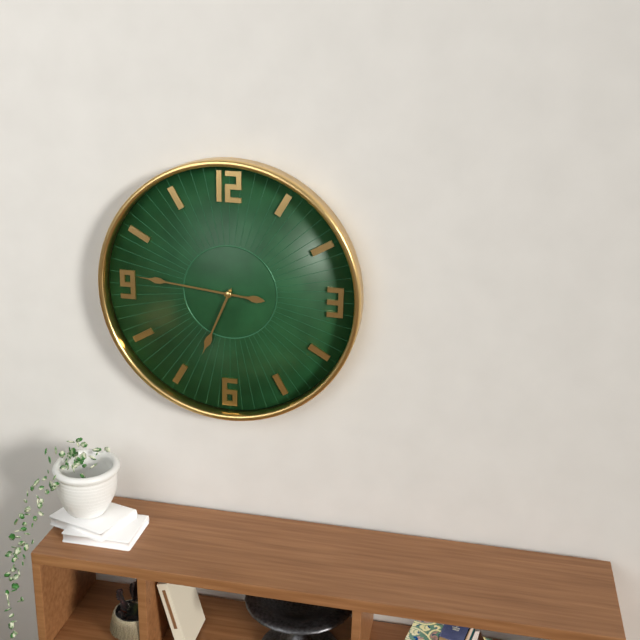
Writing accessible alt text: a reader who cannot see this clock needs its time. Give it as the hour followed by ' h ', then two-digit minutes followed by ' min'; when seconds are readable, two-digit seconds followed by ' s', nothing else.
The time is 6 h 46 min
